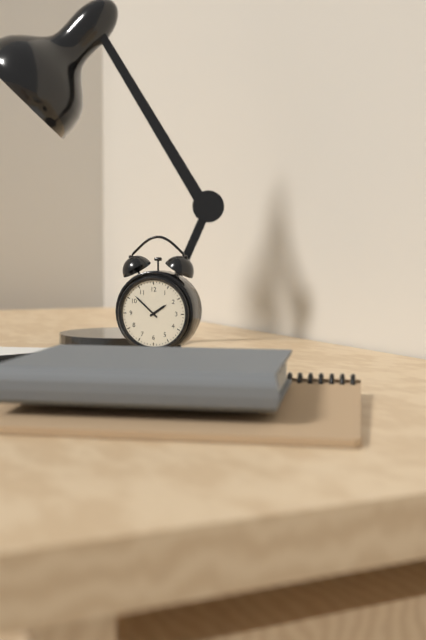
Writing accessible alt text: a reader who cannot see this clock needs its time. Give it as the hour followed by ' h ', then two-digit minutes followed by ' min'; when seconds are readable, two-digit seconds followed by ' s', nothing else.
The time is 1 h 52 min
